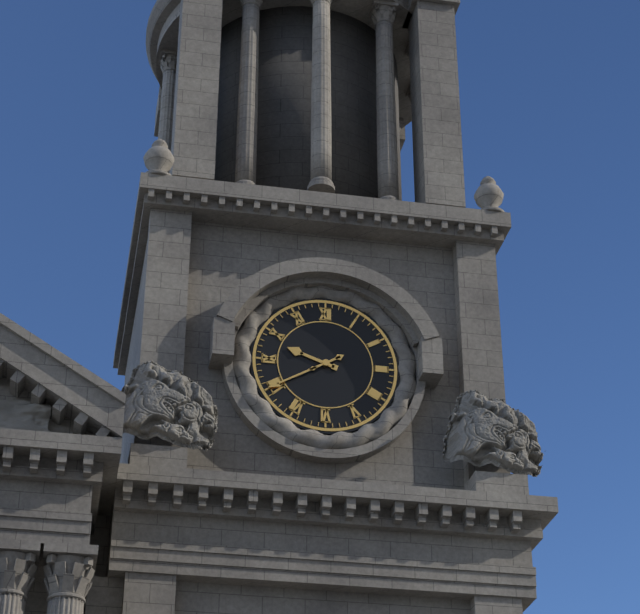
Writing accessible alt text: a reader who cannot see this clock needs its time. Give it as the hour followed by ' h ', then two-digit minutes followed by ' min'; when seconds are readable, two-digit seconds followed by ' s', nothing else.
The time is 9 h 40 min
